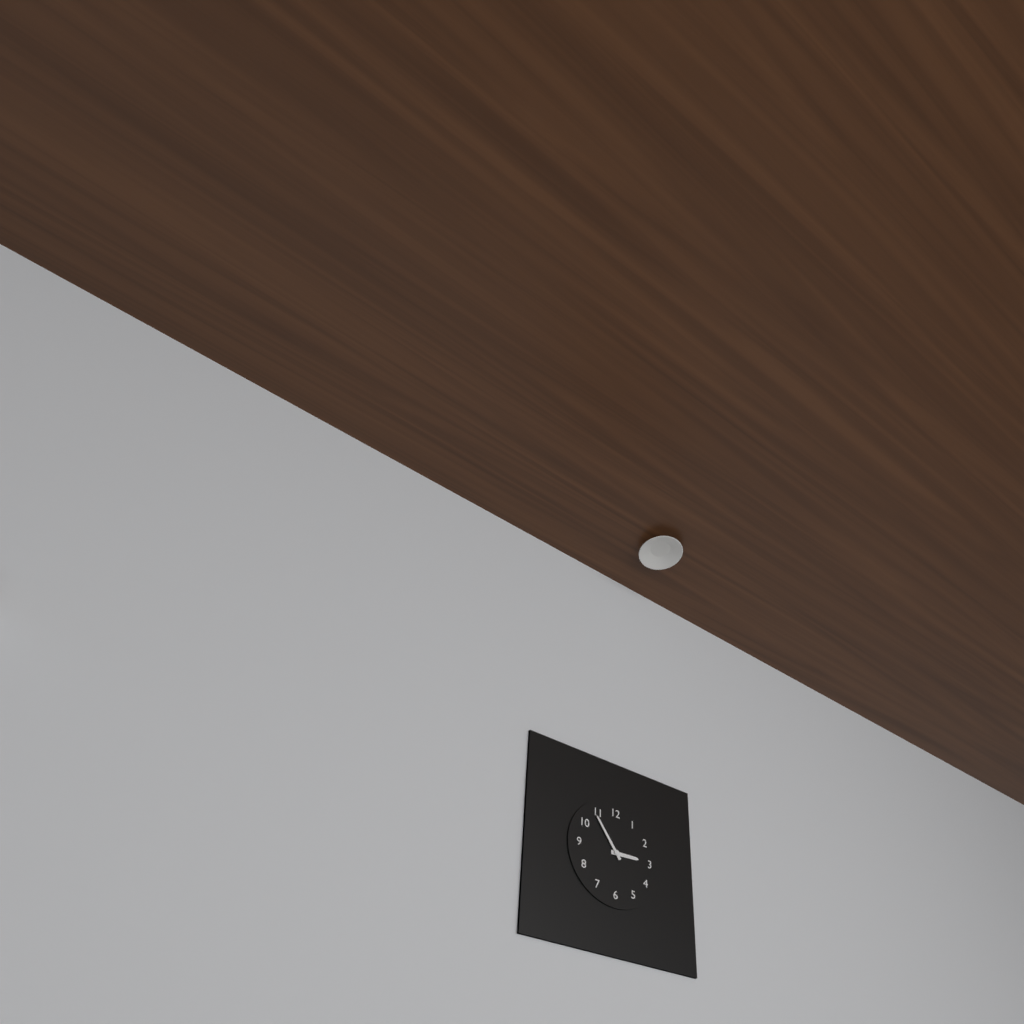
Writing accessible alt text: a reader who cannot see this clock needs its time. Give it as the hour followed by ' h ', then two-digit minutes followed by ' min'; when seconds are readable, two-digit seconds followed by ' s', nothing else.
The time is 2 h 54 min
